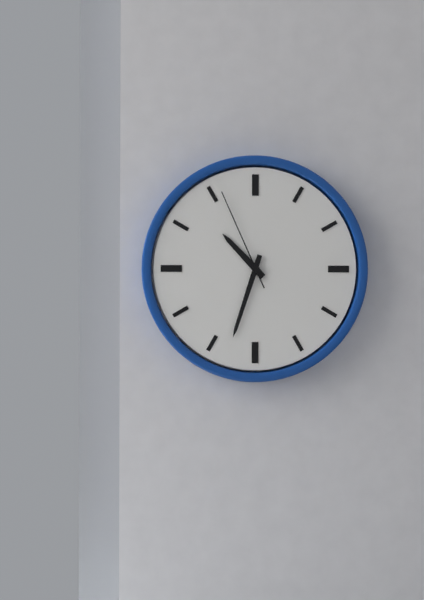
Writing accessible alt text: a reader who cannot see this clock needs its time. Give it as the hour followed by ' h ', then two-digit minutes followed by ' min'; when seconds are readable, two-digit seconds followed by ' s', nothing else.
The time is 10 h 33 min 56 s
